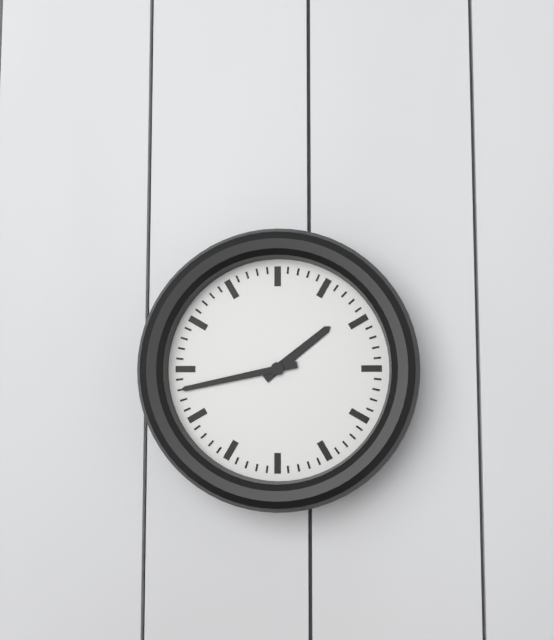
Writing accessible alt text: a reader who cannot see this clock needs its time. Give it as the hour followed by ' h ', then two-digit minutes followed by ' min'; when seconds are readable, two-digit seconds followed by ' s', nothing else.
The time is 1 h 43 min
